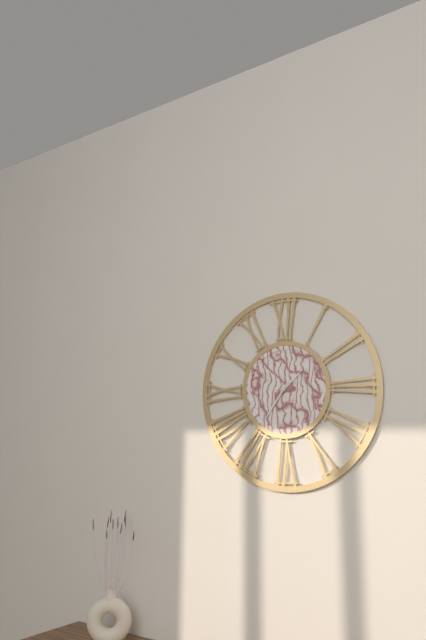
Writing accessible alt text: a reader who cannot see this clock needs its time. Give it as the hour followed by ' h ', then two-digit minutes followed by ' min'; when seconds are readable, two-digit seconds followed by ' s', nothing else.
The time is 1 h 36 min
